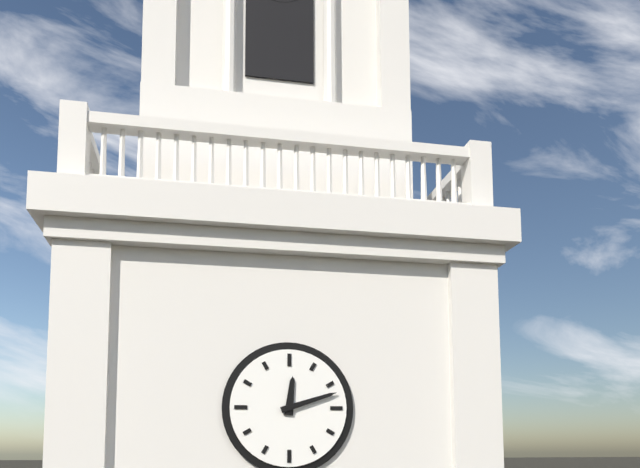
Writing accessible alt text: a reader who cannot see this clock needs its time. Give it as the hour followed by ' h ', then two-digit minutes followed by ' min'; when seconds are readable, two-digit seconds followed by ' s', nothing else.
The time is 12 h 12 min
